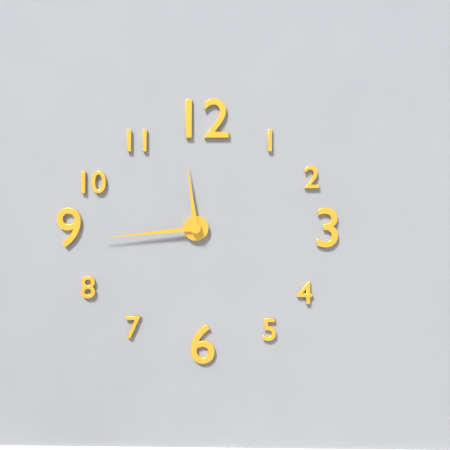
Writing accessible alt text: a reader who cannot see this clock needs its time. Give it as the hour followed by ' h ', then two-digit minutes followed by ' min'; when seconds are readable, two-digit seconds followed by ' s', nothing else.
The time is 11 h 44 min
